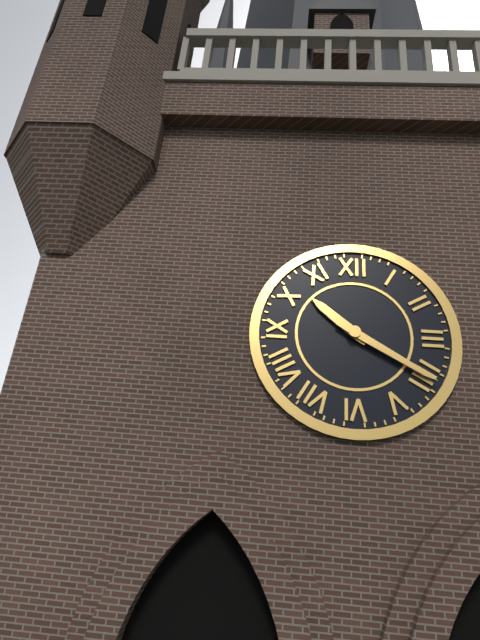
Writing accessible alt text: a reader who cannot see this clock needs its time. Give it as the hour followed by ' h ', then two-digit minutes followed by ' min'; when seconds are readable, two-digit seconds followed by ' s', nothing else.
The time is 10 h 20 min
